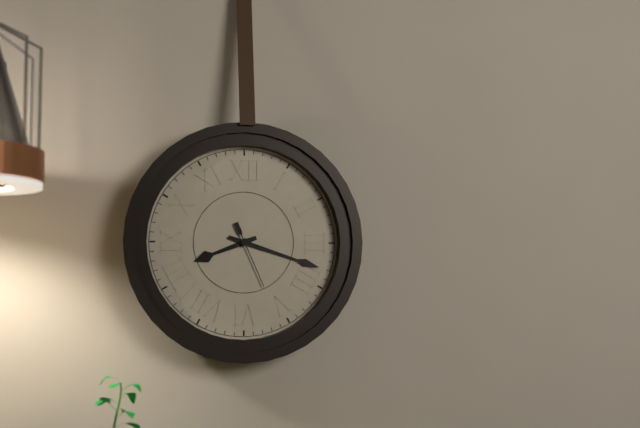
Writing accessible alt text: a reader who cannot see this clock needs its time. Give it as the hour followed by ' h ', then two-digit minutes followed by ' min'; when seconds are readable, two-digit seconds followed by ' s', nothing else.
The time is 8 h 18 min 26 s
